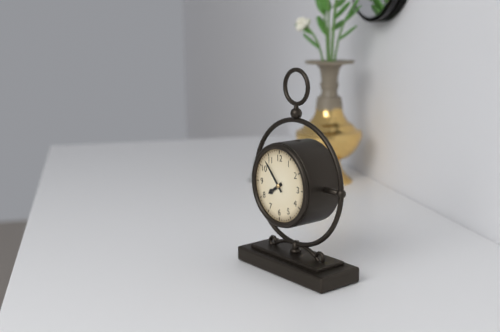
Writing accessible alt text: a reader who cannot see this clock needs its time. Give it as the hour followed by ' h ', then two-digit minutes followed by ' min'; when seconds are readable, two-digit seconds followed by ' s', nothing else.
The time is 7 h 53 min
